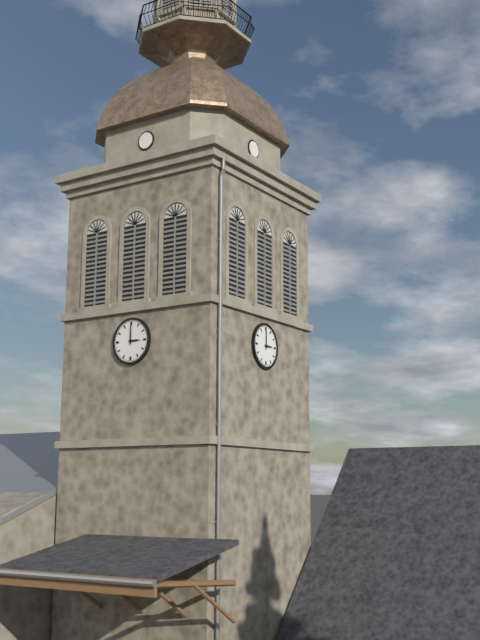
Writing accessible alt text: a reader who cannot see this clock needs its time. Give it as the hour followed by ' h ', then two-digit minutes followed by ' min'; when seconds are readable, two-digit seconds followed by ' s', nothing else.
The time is 3 h 00 min
